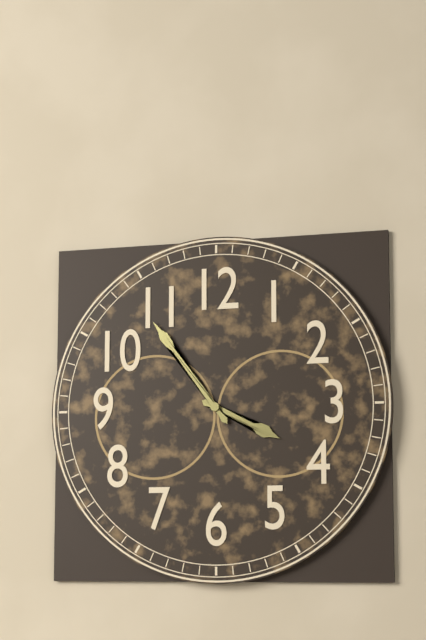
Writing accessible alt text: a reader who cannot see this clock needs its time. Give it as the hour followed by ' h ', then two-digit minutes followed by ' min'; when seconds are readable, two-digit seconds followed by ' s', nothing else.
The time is 3 h 54 min
